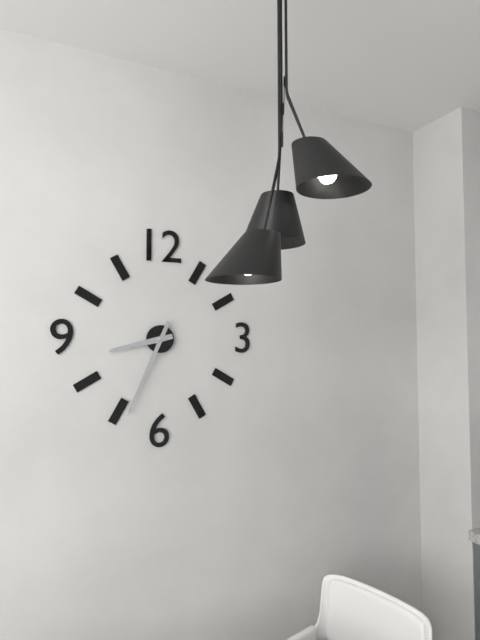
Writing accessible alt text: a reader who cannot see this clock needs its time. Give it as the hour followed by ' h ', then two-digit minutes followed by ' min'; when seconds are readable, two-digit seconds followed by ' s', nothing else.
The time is 8 h 34 min
